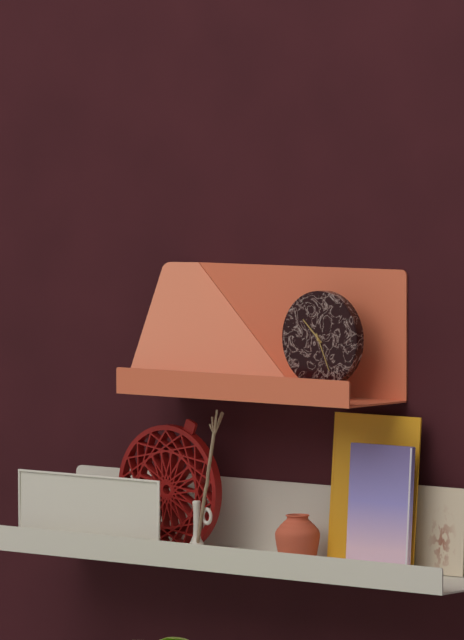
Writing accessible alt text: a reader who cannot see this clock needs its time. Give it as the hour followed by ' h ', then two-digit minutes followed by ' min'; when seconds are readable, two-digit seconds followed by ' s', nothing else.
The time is 10 h 26 min
